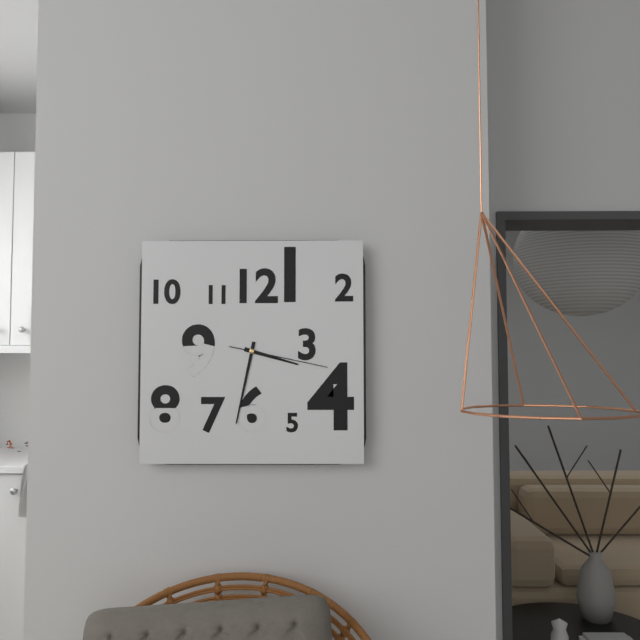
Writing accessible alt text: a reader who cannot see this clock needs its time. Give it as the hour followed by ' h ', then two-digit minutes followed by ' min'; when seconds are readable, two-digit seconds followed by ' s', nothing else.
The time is 3 h 32 min 17 s
